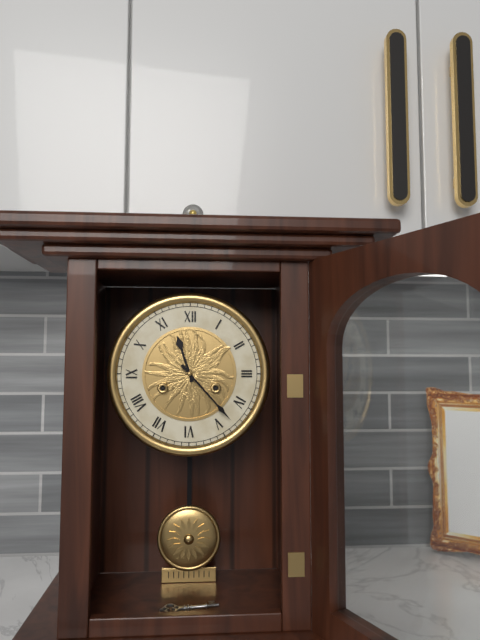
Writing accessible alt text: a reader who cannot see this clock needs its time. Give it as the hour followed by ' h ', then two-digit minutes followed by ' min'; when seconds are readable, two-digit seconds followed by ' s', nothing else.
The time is 11 h 23 min
